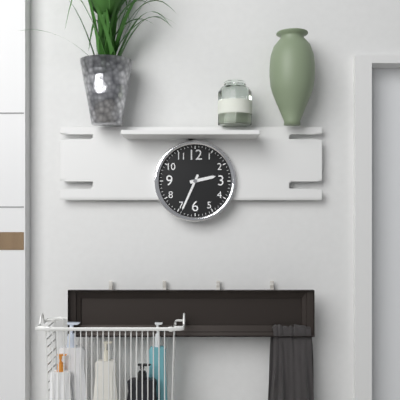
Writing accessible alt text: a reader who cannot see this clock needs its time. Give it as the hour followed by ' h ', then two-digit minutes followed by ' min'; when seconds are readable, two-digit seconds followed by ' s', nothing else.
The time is 2 h 34 min
